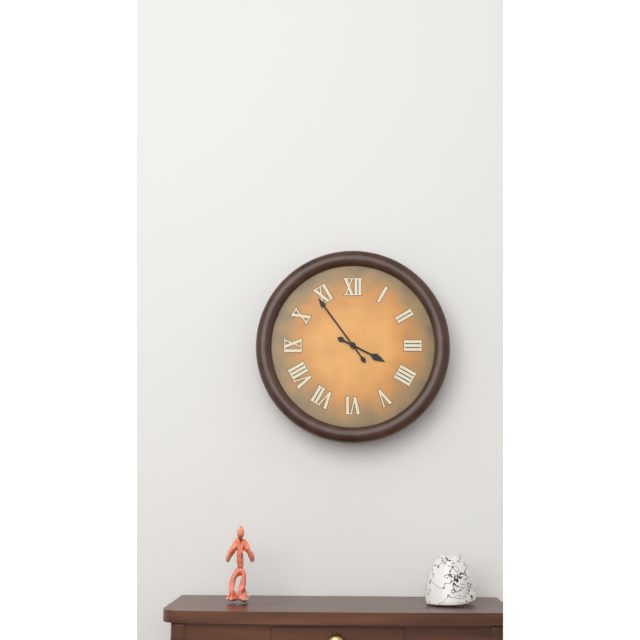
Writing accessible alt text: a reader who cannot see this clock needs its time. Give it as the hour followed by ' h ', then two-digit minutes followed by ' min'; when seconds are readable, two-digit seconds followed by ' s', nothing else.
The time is 3 h 54 min
